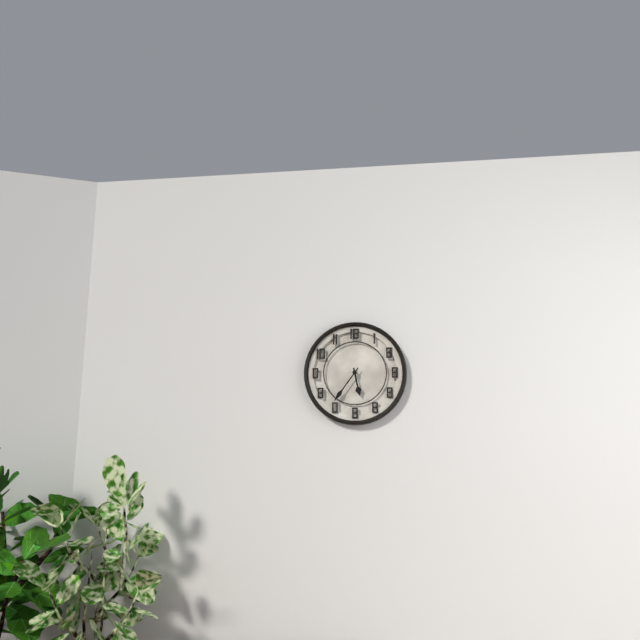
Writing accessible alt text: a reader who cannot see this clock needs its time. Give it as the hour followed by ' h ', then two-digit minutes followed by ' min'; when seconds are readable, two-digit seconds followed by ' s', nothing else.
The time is 5 h 36 min
